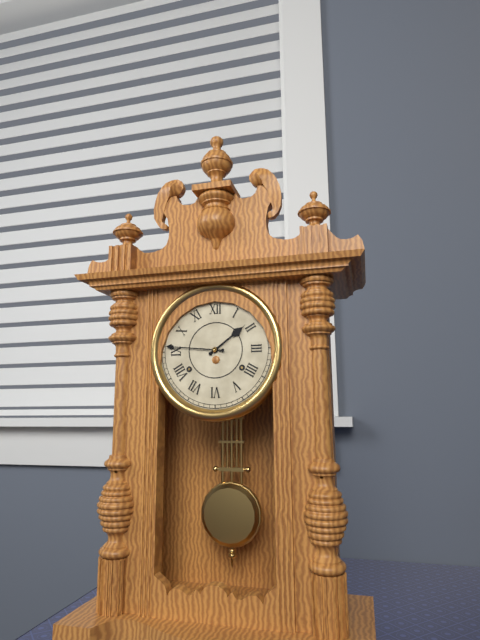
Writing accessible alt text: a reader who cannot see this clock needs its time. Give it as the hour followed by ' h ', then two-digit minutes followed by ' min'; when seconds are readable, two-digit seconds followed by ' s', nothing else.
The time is 1 h 46 min
